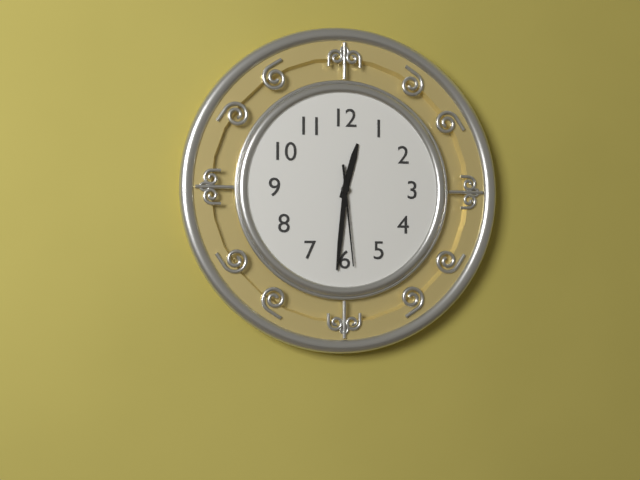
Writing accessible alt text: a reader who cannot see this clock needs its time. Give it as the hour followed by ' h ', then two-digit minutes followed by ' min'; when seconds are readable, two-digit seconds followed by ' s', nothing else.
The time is 12 h 31 min 29 s
